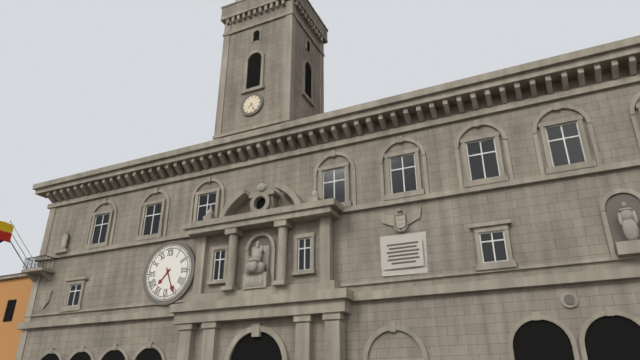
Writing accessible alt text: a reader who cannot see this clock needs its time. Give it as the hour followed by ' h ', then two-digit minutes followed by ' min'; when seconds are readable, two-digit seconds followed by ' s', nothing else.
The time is 7 h 26 min
